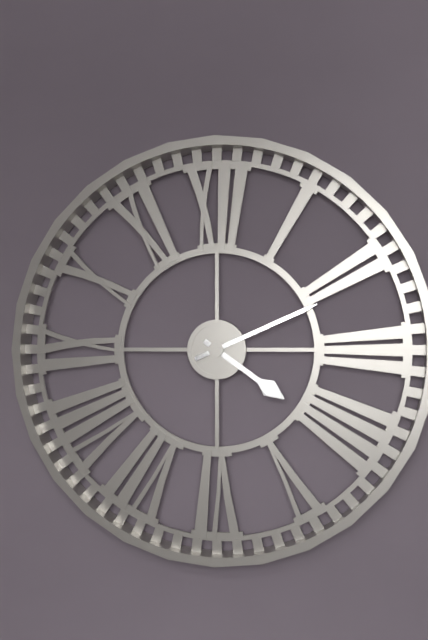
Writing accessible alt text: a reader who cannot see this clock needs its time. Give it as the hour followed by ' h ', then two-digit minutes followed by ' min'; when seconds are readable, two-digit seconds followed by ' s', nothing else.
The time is 4 h 11 min
